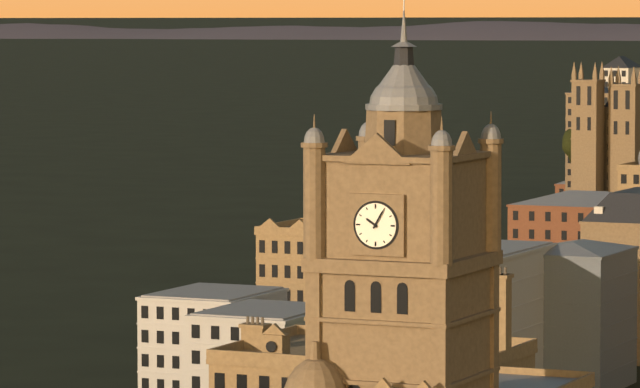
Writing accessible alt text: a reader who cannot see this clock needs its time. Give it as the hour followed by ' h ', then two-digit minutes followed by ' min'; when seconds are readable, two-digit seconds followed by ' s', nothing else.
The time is 10 h 05 min
